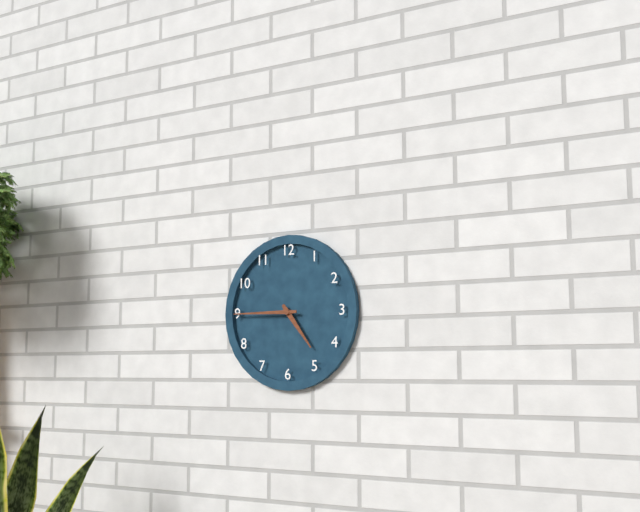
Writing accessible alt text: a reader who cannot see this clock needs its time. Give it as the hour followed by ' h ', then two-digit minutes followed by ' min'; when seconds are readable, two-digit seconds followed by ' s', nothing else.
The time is 4 h 45 min
